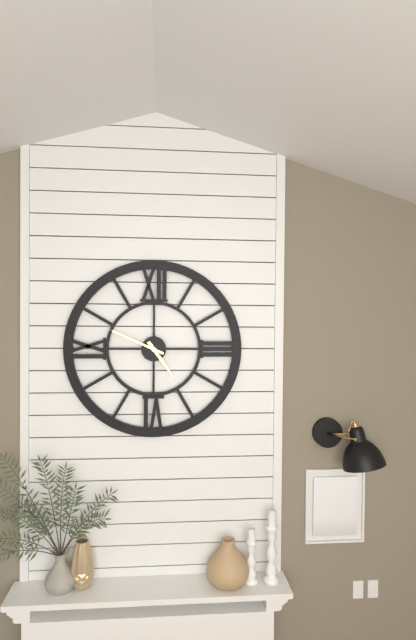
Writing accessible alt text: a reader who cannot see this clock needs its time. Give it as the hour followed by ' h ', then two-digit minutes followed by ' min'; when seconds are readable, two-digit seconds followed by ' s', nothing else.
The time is 4 h 49 min
